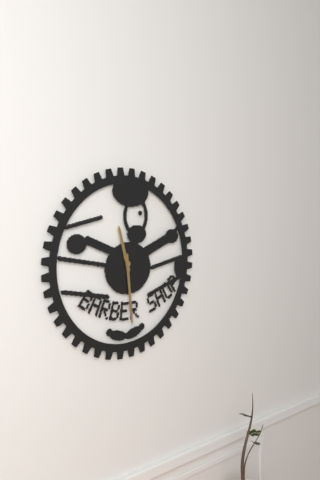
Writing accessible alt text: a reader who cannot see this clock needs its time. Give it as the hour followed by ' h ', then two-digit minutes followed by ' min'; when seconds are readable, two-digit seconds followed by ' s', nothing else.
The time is 11 h 29 min
